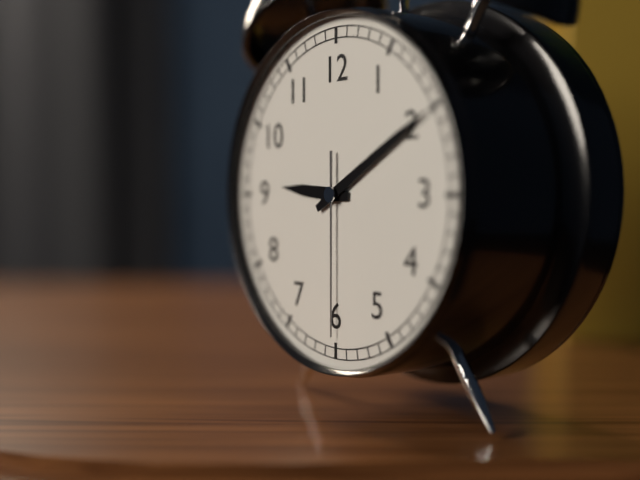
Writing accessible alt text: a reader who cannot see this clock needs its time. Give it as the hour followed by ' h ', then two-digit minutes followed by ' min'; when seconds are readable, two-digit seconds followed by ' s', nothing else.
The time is 9 h 10 min 30 s
